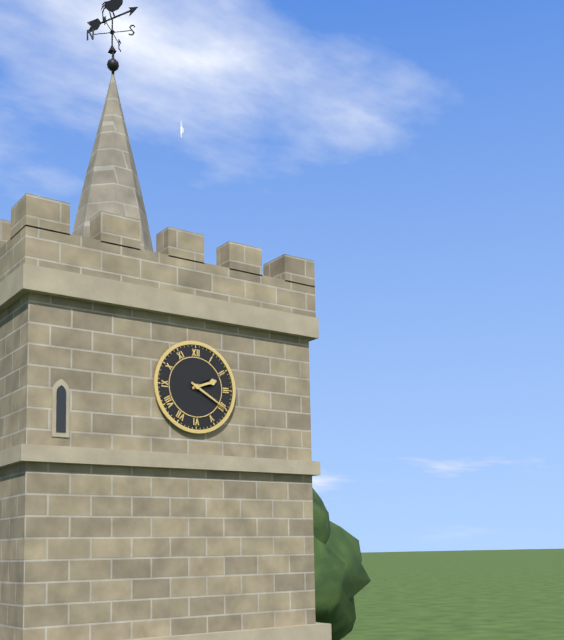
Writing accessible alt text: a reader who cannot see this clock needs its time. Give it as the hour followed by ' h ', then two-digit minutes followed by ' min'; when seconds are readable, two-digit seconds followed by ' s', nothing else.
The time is 2 h 20 min
